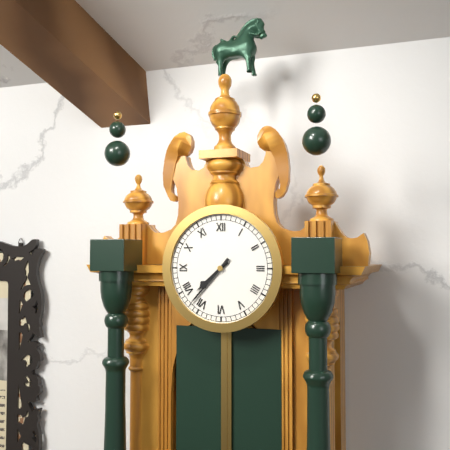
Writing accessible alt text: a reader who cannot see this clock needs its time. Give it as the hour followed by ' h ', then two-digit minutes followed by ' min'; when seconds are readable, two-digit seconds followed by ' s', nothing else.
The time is 7 h 37 min
